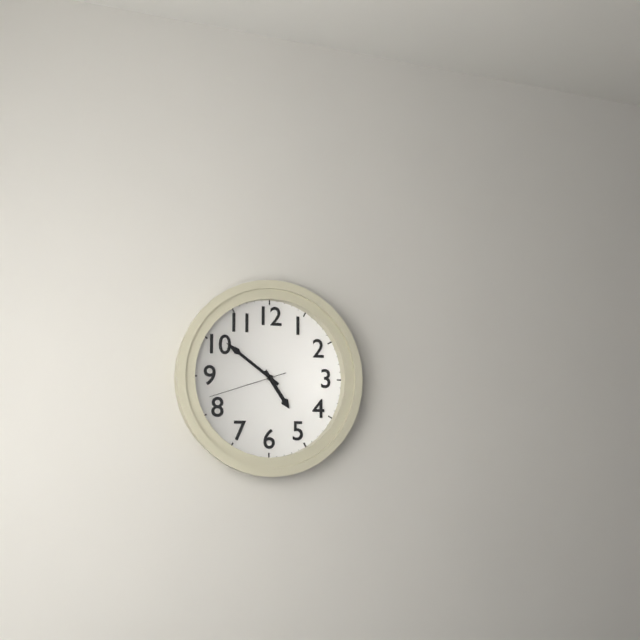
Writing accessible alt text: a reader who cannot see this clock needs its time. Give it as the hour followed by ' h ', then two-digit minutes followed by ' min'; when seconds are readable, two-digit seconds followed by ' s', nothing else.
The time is 4 h 51 min 42 s
